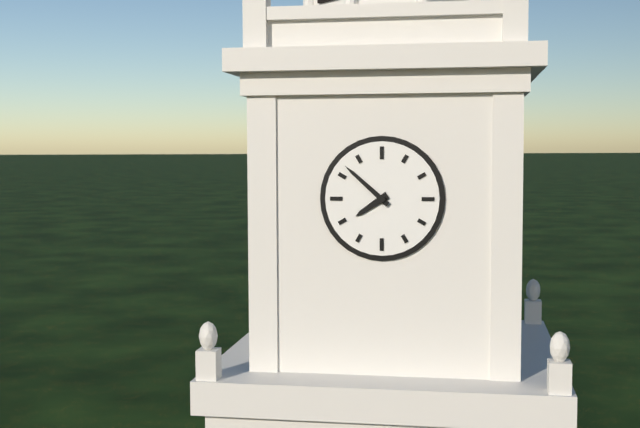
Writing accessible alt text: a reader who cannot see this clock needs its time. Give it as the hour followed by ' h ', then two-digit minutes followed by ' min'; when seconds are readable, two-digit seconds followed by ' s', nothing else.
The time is 7 h 52 min
